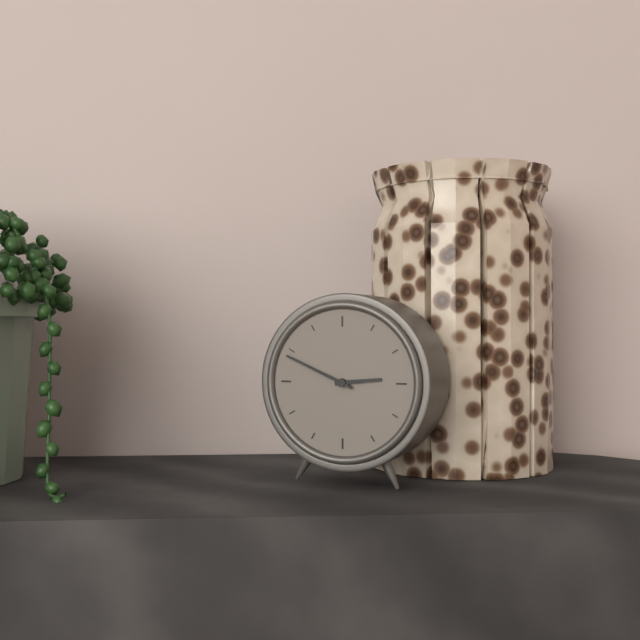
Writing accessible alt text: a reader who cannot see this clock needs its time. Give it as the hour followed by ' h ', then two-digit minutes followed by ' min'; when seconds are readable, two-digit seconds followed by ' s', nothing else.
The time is 2 h 49 min
